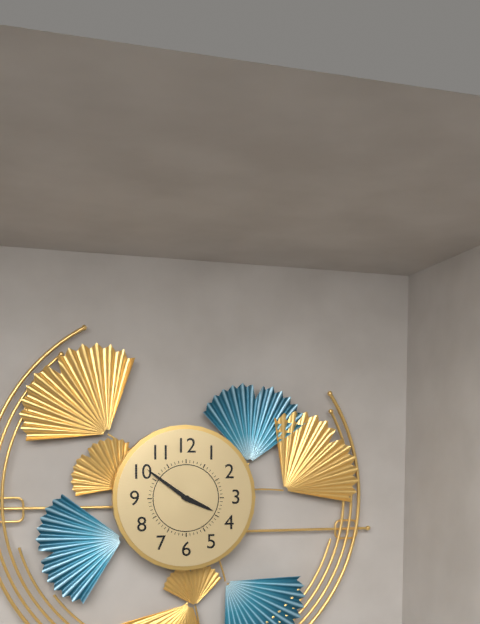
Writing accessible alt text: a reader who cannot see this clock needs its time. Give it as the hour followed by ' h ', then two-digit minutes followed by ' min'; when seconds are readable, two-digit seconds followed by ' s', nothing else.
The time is 3 h 51 min
